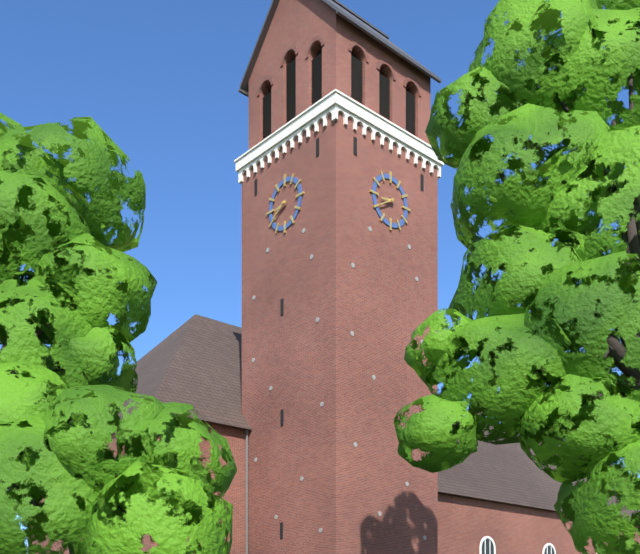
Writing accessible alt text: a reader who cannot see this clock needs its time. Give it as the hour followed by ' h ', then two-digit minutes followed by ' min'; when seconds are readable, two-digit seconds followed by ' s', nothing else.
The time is 8 h 40 min
